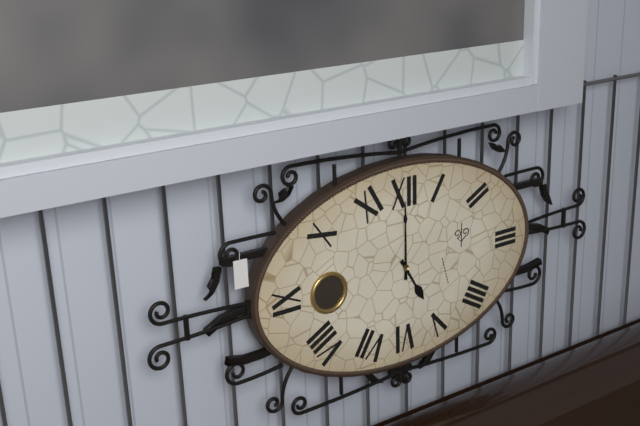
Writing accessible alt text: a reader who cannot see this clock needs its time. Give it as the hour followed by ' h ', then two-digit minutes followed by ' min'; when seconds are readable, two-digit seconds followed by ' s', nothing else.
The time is 5 h 00 min
